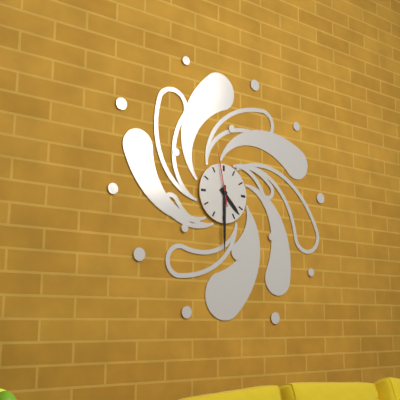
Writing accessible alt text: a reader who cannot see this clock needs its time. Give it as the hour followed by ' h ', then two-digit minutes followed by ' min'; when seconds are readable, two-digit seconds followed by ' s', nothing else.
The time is 4 h 30 min 58 s
